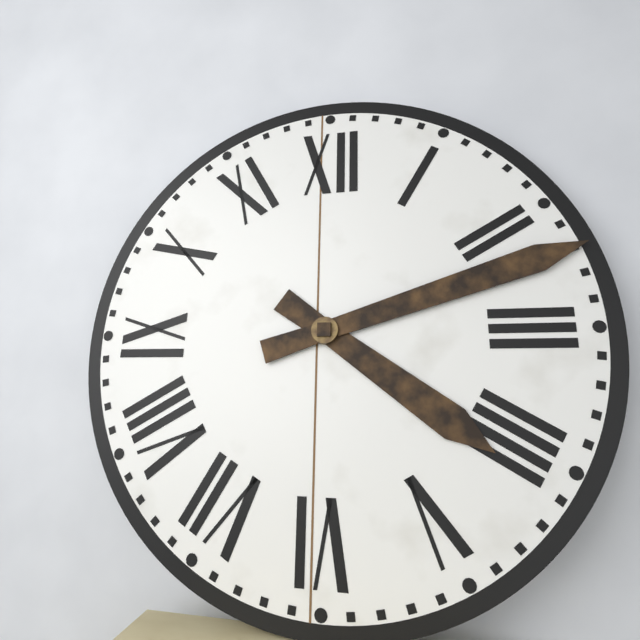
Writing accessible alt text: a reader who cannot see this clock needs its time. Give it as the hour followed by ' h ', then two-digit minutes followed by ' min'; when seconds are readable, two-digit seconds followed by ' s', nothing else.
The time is 4 h 12 min
